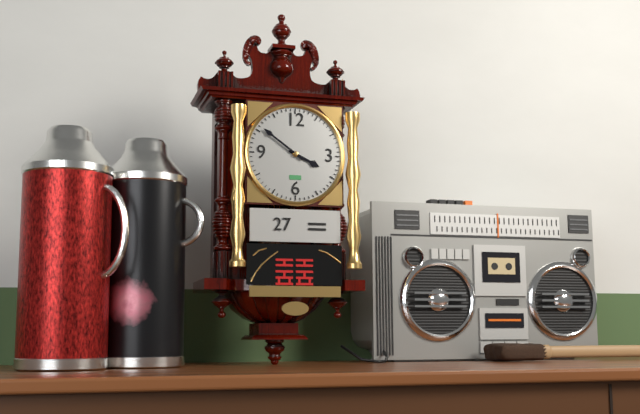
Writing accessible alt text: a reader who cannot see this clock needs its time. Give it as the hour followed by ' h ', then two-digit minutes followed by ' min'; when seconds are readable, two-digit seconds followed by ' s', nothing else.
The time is 3 h 51 min
